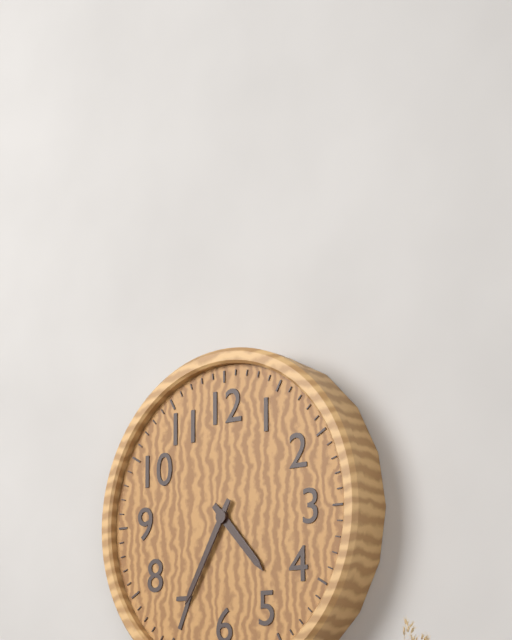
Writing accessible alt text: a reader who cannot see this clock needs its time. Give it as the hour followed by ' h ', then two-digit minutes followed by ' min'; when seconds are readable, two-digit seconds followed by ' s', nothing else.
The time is 4 h 35 min
